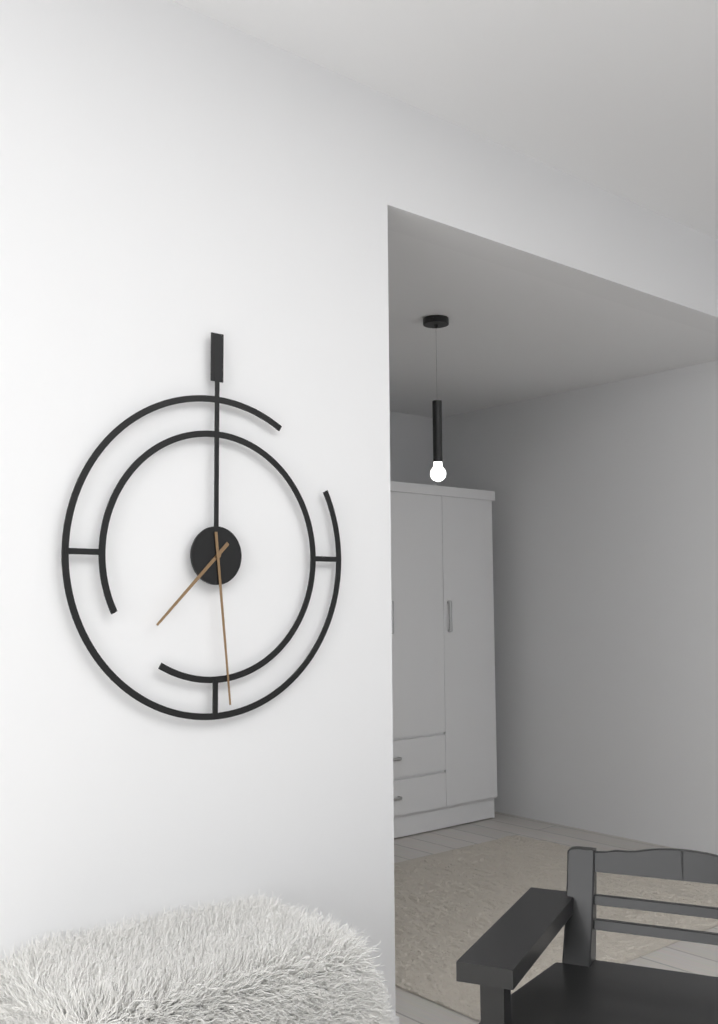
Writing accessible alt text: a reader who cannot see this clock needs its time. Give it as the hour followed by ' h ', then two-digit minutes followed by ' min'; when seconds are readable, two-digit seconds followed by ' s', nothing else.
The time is 7 h 29 min
